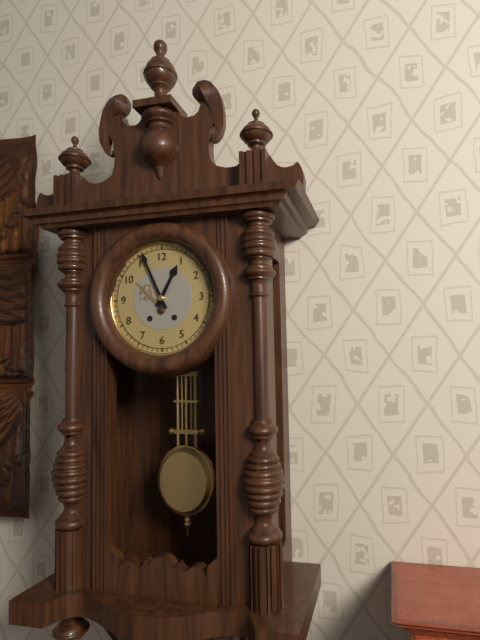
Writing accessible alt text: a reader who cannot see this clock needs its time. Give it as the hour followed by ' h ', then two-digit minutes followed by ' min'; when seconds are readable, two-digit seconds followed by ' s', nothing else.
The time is 12 h 56 min
